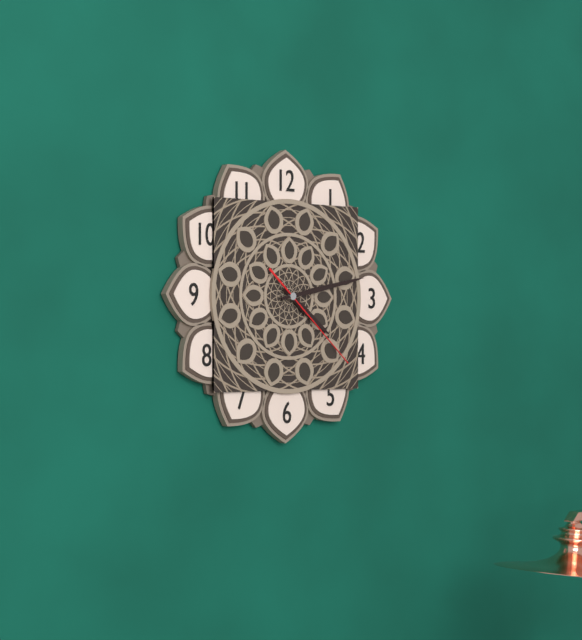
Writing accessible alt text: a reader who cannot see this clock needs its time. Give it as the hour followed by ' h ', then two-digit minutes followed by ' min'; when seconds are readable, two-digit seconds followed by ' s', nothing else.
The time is 4 h 13 min 22 s
